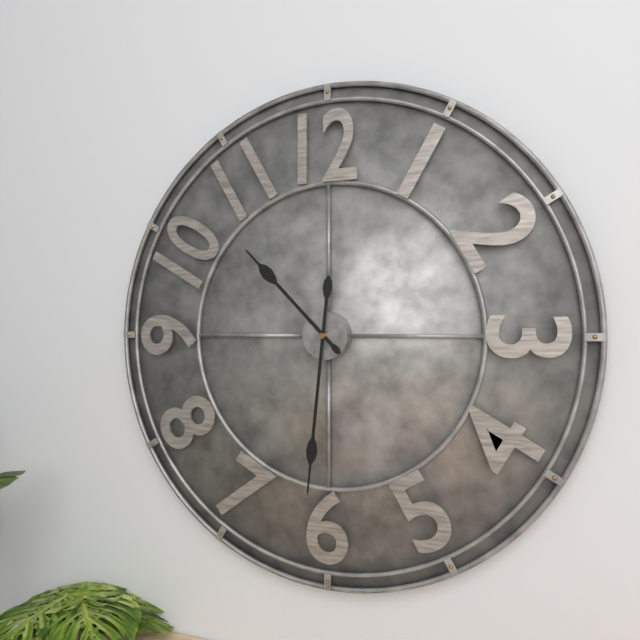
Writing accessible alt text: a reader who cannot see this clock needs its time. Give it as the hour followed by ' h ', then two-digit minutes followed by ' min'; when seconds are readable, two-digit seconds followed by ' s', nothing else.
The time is 10 h 31 min
